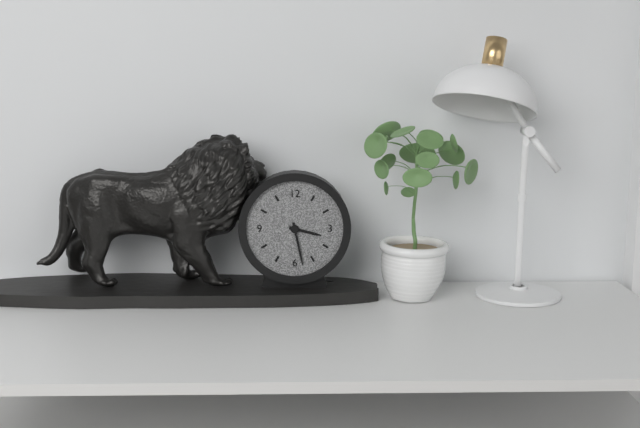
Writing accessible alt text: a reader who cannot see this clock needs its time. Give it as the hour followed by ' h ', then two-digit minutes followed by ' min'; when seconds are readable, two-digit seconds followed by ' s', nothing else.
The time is 3 h 28 min
